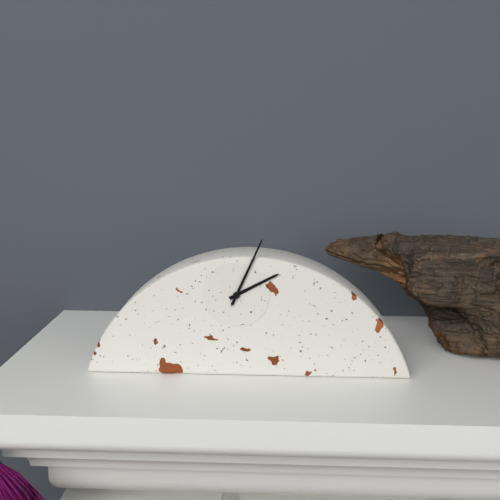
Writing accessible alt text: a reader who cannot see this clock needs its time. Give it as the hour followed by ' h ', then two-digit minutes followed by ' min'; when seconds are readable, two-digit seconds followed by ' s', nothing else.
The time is 2 h 04 min
